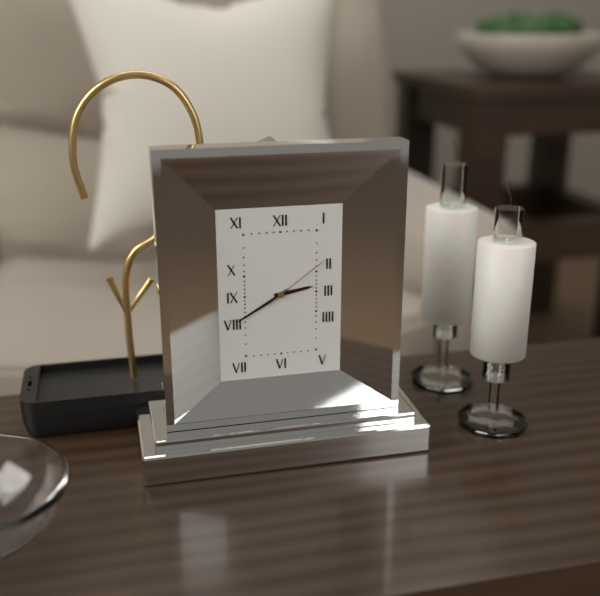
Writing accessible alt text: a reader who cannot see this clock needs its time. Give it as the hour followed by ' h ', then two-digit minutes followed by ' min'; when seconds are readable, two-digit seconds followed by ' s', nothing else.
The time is 2 h 40 min 09 s
